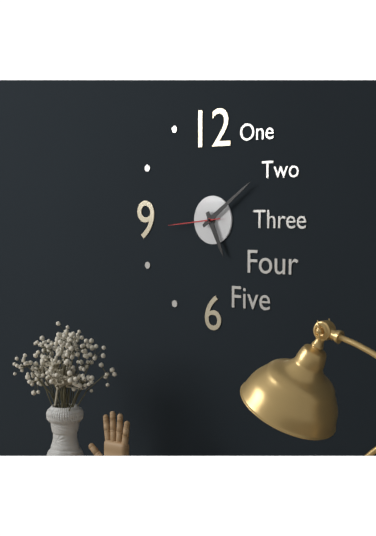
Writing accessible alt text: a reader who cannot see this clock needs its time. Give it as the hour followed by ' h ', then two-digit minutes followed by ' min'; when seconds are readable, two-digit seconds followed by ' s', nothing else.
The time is 5 h 09 min 44 s
